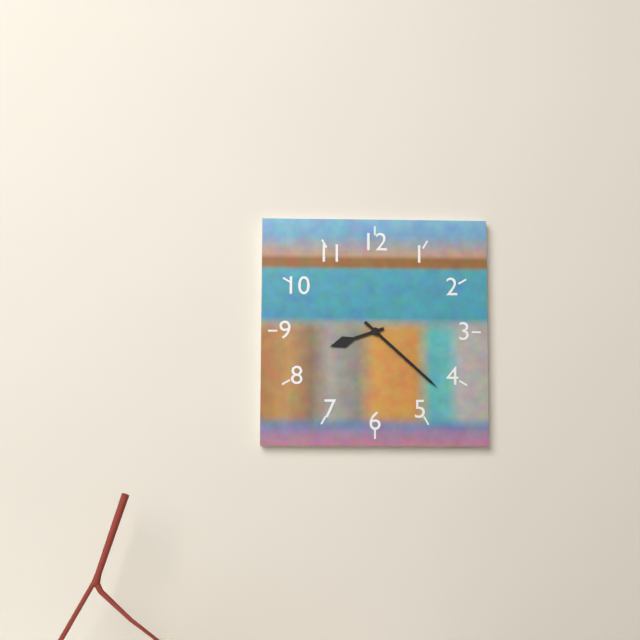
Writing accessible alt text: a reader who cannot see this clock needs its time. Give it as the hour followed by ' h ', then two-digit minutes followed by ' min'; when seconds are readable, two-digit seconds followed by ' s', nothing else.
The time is 8 h 22 min
